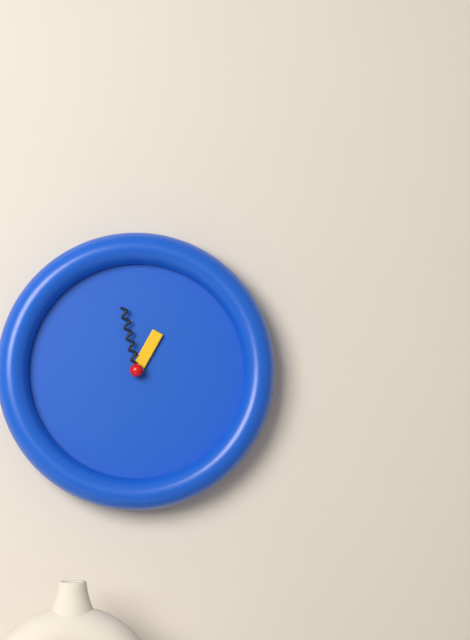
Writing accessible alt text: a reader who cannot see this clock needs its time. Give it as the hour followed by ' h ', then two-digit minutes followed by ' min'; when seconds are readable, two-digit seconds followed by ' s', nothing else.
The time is 12 h 58 min
